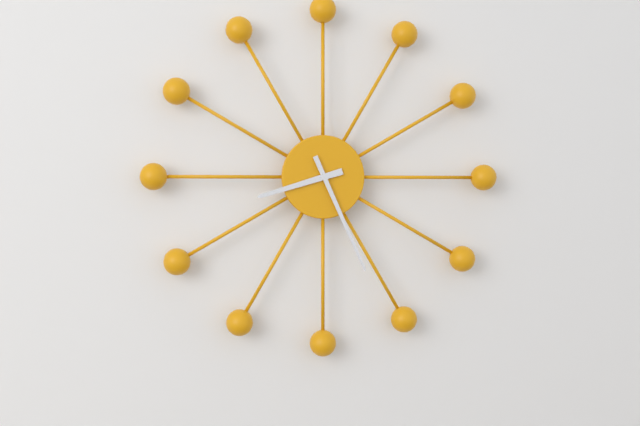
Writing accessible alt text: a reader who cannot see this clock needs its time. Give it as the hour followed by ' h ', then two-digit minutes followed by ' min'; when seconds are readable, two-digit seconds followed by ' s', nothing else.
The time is 8 h 26 min
